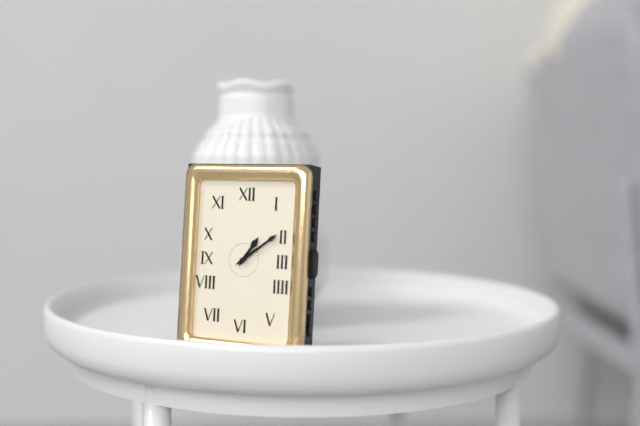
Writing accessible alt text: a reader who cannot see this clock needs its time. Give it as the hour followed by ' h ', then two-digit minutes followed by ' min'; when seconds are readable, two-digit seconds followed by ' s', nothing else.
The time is 1 h 09 min
